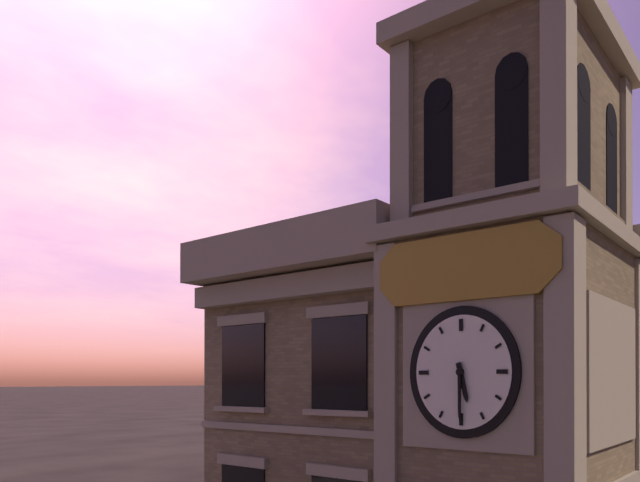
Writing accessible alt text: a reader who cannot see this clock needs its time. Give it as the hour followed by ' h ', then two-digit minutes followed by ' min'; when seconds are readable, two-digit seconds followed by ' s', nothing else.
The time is 5 h 30 min
